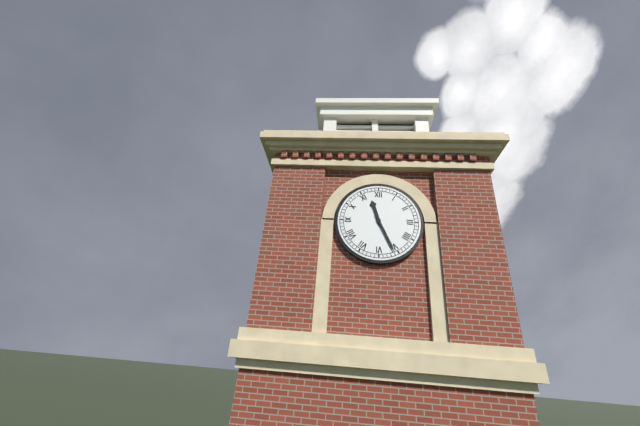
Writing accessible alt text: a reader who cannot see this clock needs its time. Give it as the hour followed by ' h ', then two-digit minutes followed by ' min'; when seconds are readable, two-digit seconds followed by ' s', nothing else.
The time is 11 h 26 min
